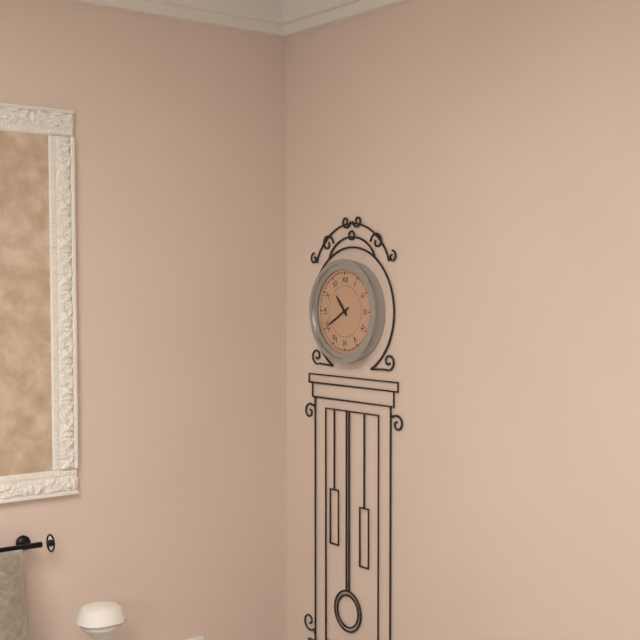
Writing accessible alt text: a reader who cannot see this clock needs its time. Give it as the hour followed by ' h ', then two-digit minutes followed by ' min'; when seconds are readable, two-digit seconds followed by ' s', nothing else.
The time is 10 h 40 min
